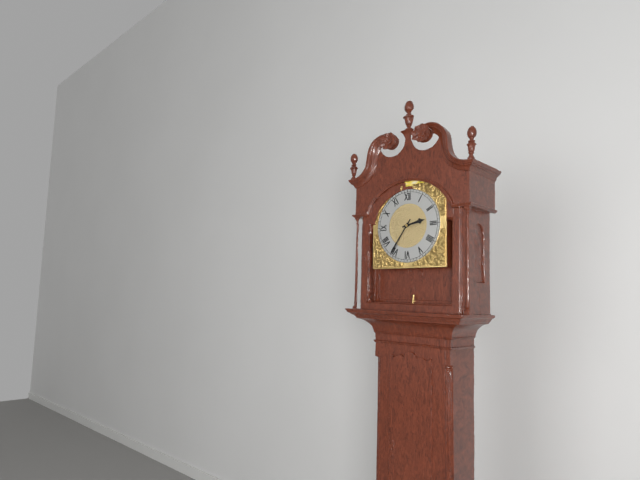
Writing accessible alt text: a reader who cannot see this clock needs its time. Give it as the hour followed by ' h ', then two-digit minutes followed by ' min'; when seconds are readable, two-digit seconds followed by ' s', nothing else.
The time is 2 h 36 min
